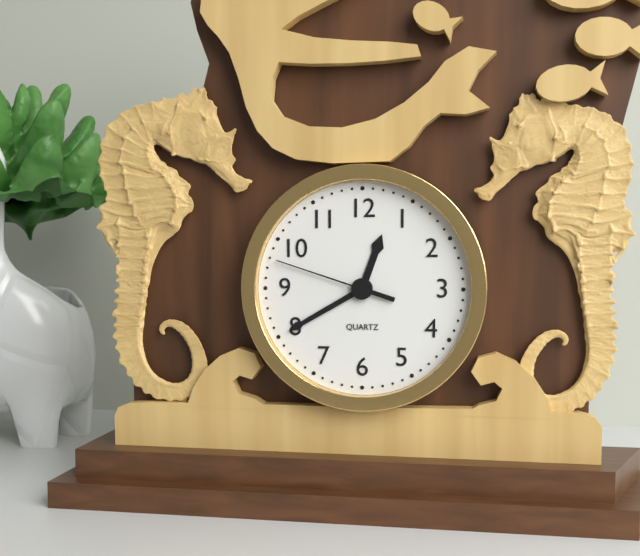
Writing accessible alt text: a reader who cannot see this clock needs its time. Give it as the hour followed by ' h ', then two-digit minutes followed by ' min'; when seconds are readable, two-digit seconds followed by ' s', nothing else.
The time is 12 h 40 min 48 s
